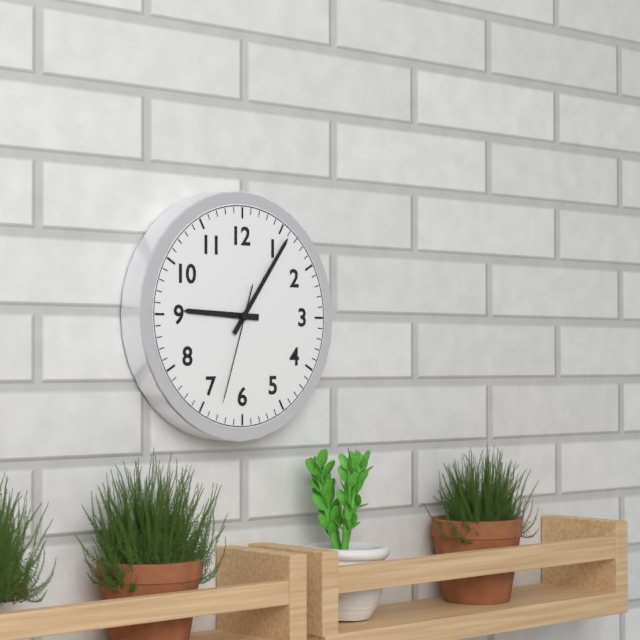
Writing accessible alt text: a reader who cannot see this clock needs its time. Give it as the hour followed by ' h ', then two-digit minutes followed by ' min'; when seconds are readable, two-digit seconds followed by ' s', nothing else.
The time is 9 h 06 min 33 s
